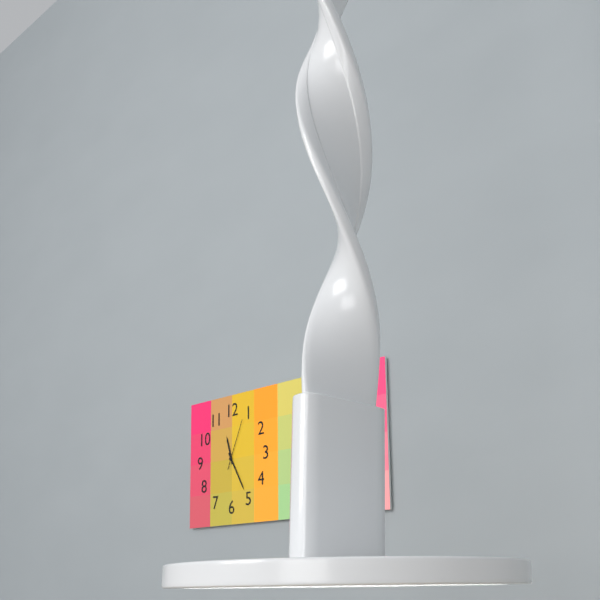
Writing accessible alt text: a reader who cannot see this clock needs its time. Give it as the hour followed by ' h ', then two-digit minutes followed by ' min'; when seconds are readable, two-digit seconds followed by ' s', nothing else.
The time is 11 h 25 min 04 s
